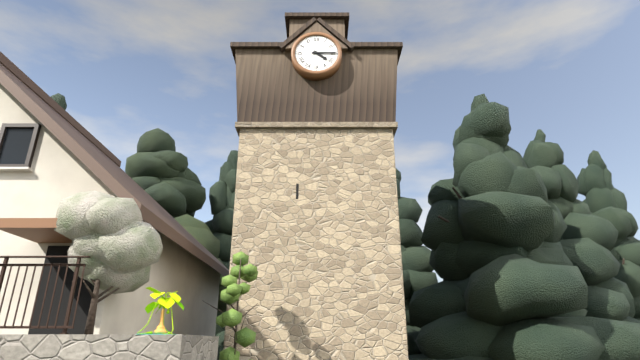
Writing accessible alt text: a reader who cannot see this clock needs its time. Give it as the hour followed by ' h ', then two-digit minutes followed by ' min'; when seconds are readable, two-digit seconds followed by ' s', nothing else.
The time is 4 h 15 min
